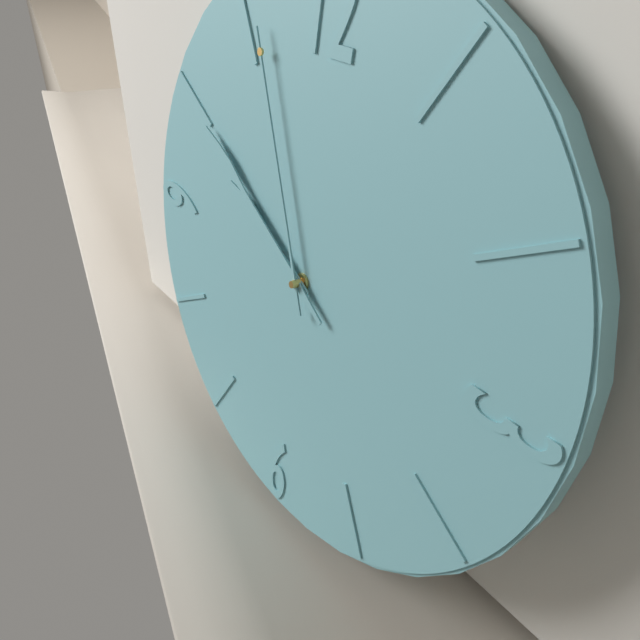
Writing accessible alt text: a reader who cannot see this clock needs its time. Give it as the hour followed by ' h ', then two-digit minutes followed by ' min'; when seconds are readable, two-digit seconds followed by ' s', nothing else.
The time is 9 h 50 min 56 s
